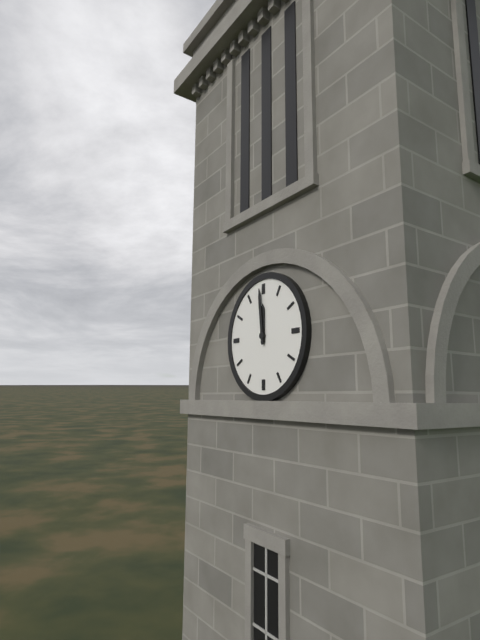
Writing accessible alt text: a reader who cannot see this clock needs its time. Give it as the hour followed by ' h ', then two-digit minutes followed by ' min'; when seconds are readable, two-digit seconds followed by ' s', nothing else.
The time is 11 h 59 min
